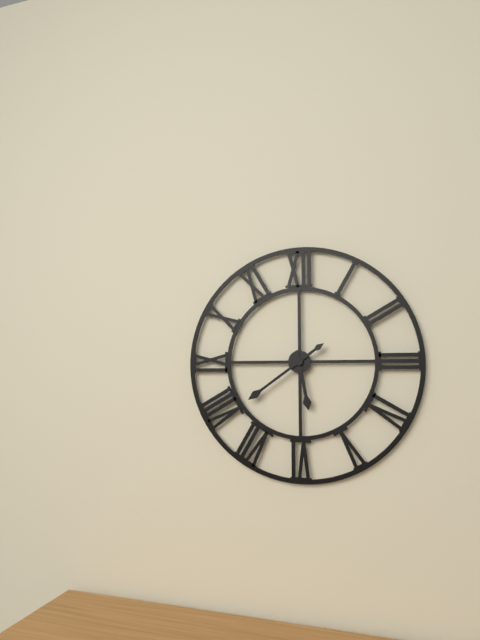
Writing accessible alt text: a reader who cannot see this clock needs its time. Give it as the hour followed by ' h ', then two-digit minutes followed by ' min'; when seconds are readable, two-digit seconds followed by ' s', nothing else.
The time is 5 h 39 min
